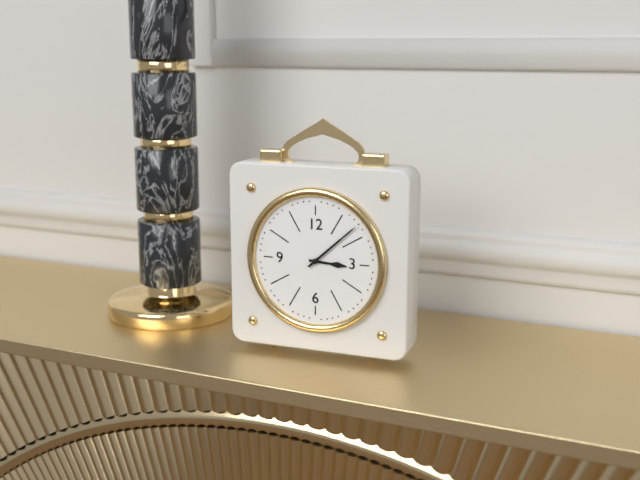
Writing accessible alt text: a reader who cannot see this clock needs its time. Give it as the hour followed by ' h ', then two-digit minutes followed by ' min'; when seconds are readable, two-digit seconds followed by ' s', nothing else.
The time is 3 h 08 min
